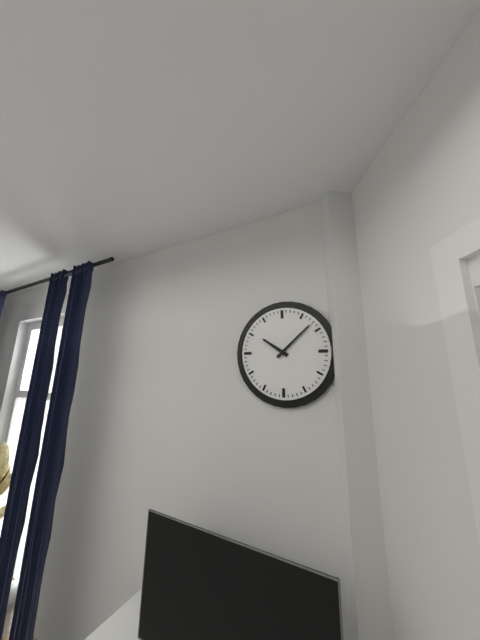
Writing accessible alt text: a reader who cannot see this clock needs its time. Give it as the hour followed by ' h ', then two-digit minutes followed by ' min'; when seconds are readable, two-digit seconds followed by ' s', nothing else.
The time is 10 h 08 min
